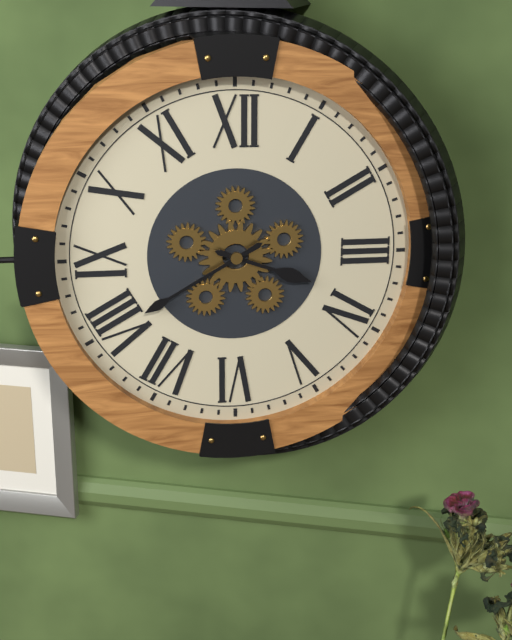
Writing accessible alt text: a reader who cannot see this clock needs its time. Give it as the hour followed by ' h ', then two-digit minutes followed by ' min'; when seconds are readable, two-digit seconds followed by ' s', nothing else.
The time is 3 h 40 min
